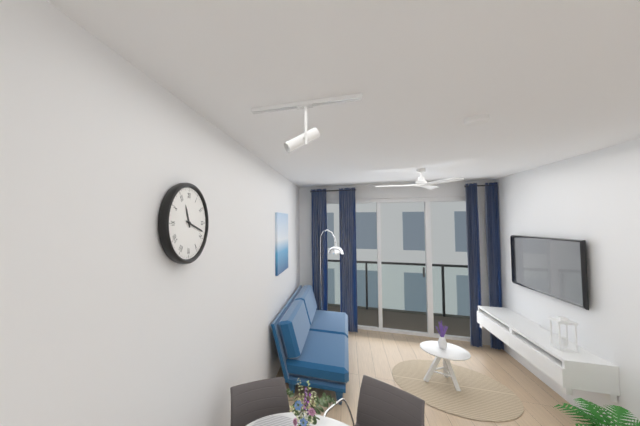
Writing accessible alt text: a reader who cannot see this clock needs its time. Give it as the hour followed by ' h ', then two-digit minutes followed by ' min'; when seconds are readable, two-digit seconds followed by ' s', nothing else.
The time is 11 h 18 min
